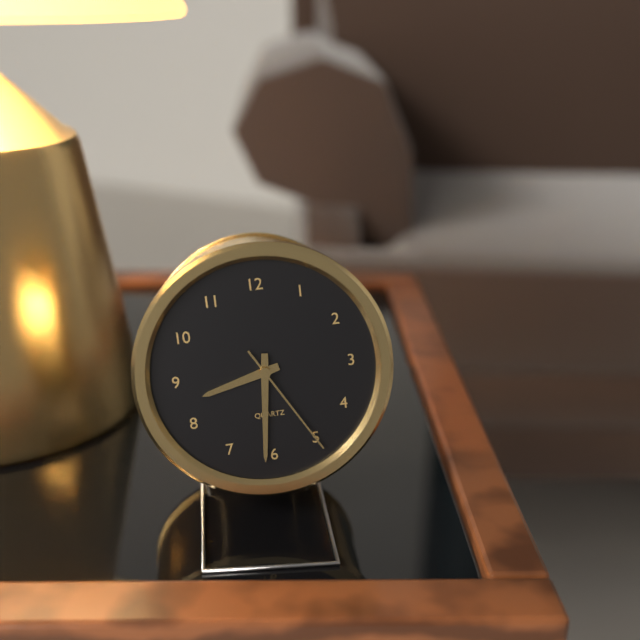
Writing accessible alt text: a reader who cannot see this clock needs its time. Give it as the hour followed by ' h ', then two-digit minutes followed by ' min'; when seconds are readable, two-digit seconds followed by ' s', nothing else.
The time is 8 h 31 min 25 s
